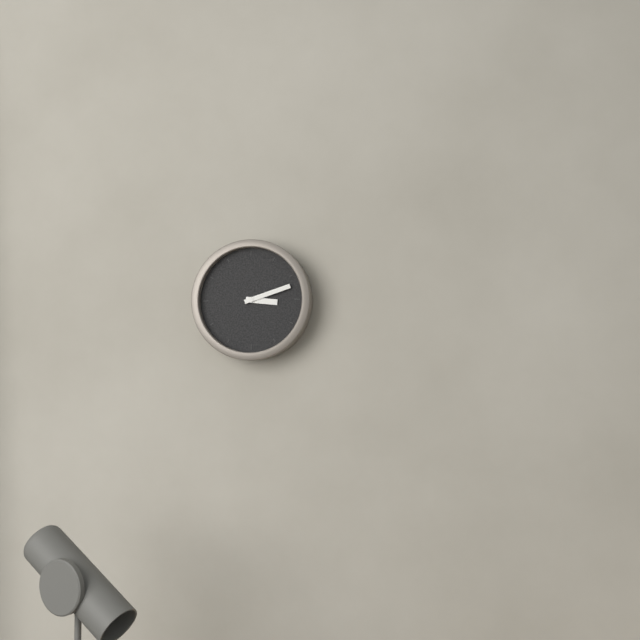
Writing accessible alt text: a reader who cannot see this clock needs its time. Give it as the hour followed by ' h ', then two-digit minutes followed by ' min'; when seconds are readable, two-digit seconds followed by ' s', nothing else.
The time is 3 h 12 min
